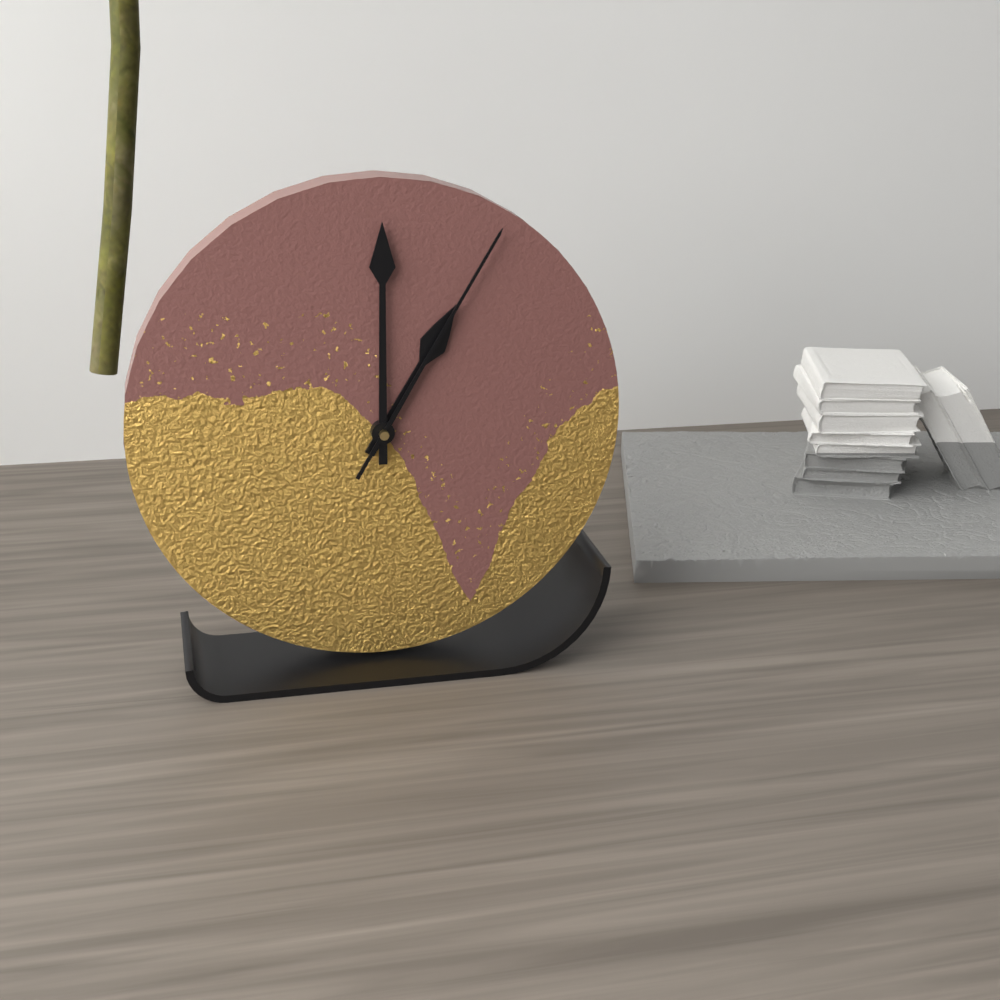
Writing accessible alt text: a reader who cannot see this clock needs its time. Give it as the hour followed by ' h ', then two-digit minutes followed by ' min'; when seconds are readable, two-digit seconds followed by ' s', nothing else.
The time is 1 h 00 min 05 s
